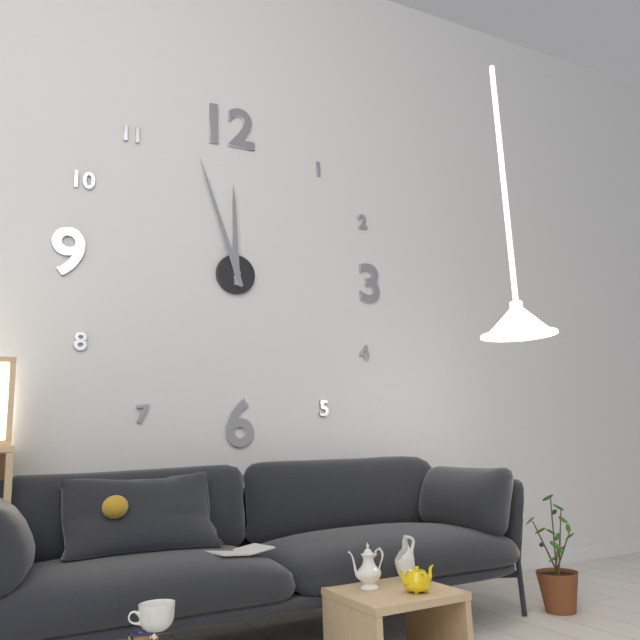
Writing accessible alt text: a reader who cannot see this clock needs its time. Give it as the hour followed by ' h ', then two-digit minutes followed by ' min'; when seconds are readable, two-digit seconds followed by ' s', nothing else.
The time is 11 h 57 min
